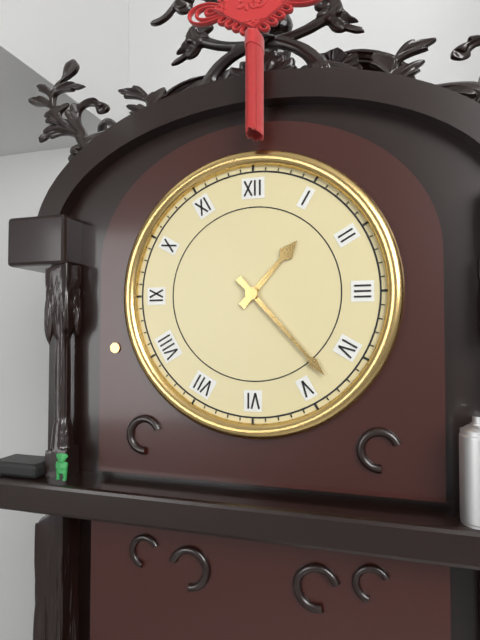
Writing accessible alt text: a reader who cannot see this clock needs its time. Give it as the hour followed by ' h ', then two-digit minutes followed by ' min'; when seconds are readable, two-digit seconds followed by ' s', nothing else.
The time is 1 h 23 min
